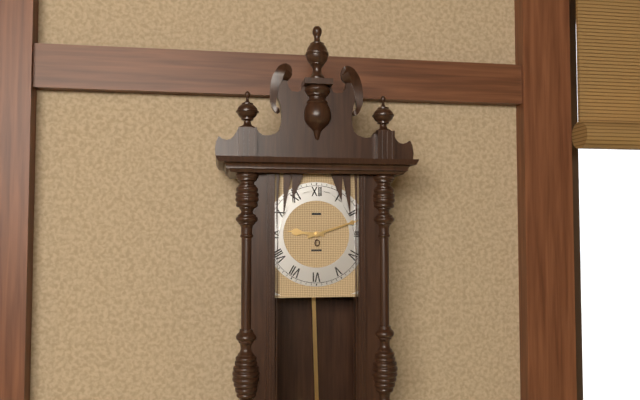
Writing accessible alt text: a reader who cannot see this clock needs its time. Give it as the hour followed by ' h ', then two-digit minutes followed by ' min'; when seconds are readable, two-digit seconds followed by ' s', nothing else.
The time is 9 h 12 min
